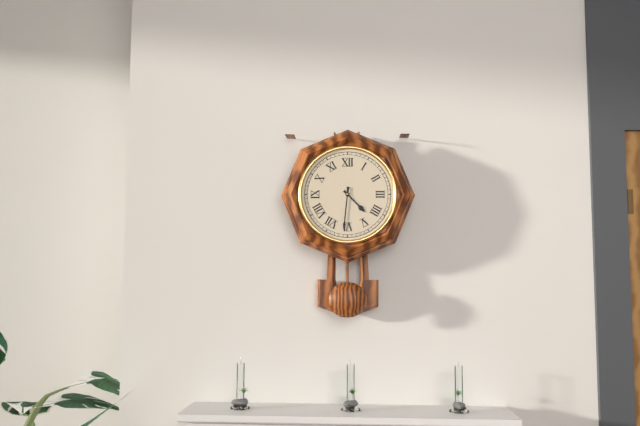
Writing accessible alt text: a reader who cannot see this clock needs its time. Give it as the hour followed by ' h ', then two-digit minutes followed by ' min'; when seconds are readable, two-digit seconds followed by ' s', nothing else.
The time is 4 h 31 min
